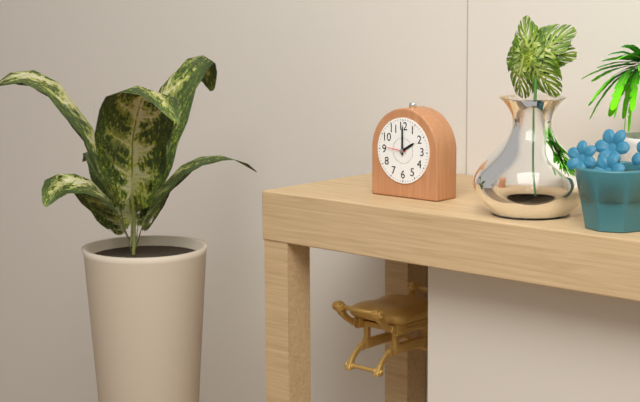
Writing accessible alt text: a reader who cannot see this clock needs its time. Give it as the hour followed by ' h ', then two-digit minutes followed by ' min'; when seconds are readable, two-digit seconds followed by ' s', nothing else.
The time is 2 h 00 min
